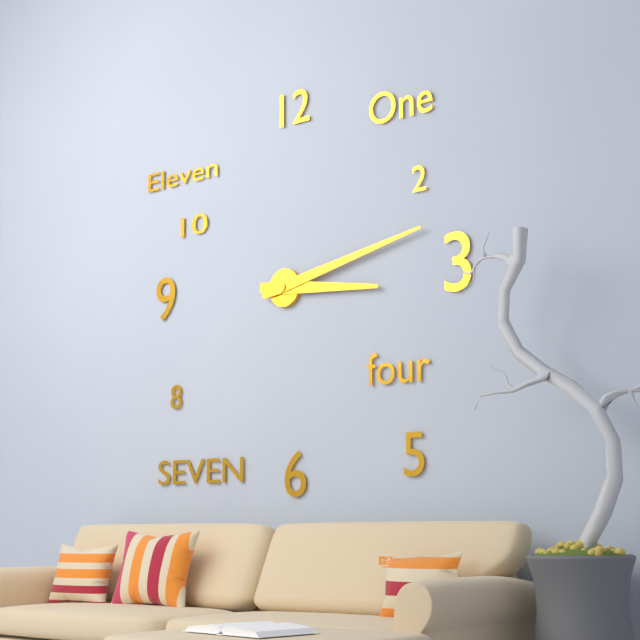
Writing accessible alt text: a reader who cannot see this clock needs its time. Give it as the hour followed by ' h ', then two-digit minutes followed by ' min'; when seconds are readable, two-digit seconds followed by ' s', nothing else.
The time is 3 h 13 min
